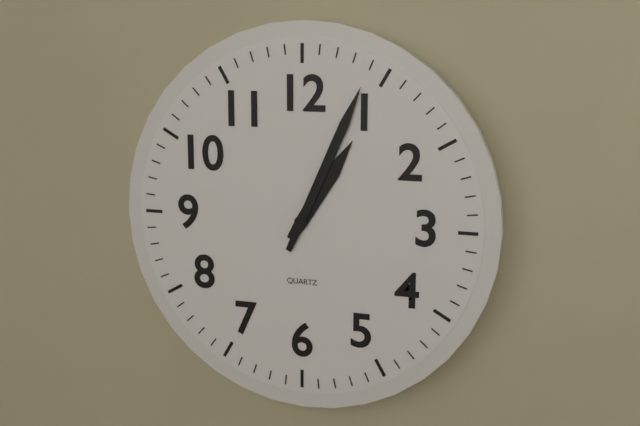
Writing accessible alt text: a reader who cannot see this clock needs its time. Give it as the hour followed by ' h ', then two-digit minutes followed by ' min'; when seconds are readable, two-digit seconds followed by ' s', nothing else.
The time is 1 h 04 min
